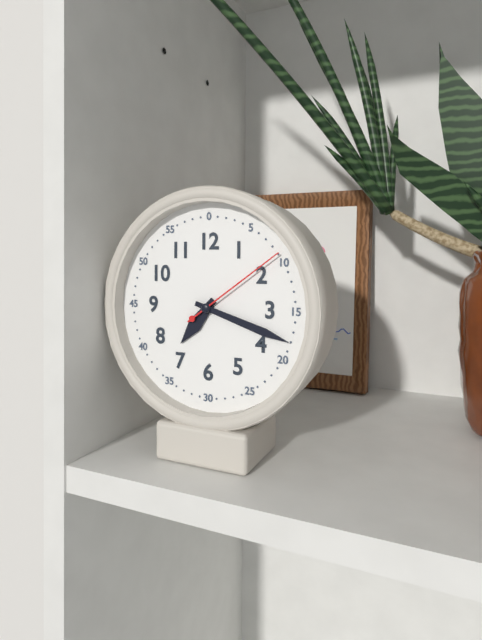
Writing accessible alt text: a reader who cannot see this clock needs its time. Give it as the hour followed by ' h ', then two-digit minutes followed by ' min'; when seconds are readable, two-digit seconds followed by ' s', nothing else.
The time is 7 h 18 min 09 s
